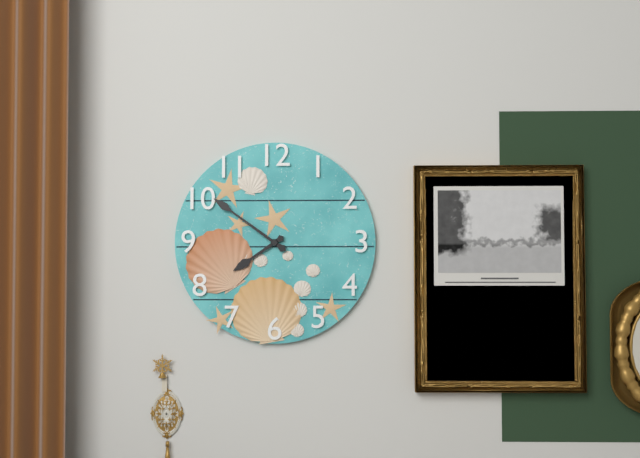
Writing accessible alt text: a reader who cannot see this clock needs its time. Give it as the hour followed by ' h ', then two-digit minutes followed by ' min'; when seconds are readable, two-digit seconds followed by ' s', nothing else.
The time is 7 h 51 min
